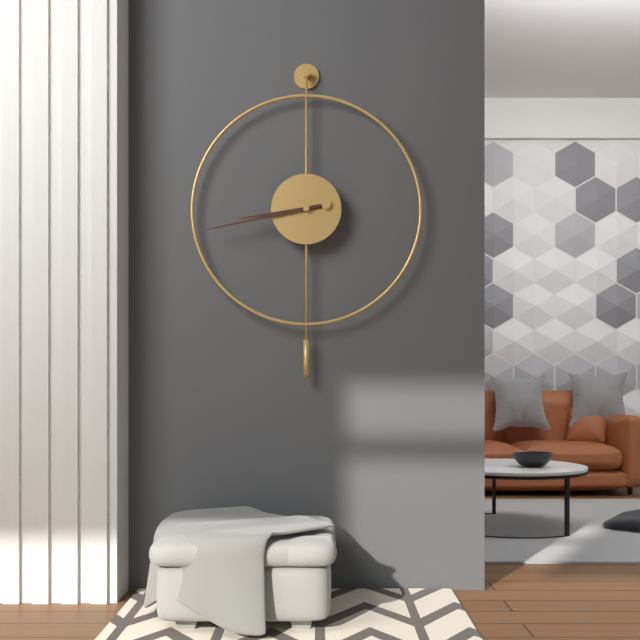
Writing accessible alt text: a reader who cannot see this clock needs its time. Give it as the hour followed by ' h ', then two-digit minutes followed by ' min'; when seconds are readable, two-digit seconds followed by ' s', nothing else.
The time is 8 h 43 min
